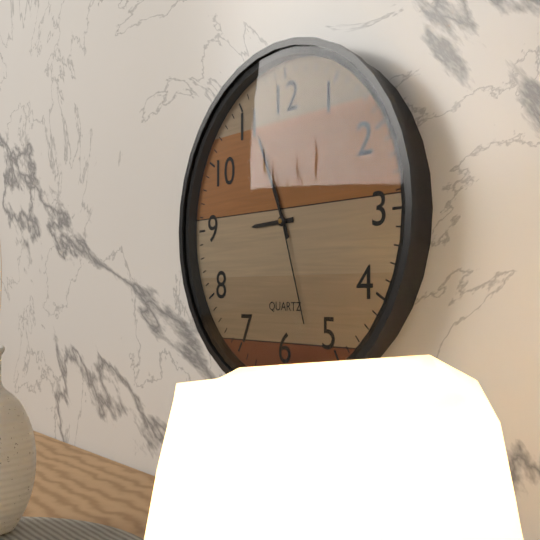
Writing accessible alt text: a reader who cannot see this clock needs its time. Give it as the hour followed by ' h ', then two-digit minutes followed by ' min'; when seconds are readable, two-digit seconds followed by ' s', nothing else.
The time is 8 h 56 min 27 s
